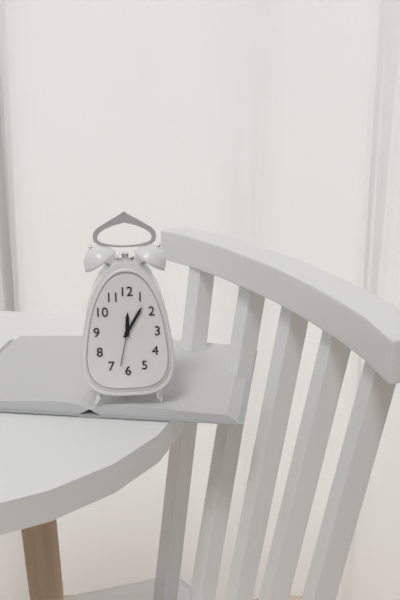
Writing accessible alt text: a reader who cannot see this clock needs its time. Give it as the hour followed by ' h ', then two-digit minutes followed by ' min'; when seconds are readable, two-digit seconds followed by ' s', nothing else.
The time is 12 h 05 min
